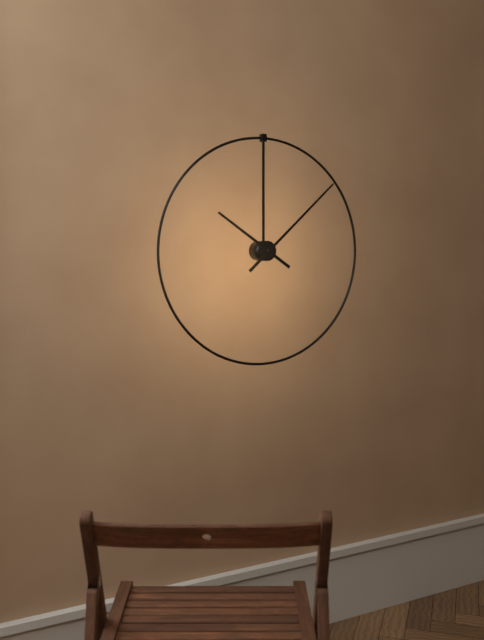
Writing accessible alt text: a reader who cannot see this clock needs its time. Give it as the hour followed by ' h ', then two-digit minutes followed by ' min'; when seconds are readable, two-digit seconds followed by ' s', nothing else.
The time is 10 h 08 min
